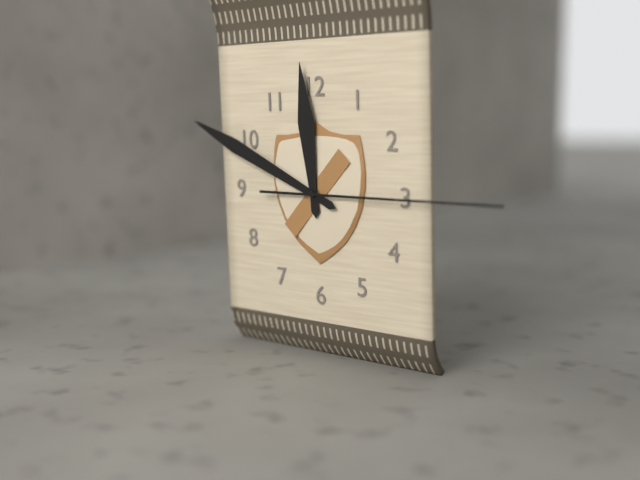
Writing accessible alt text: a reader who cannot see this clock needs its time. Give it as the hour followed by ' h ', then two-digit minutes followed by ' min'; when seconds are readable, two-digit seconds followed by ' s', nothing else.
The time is 11 h 49 min 15 s
